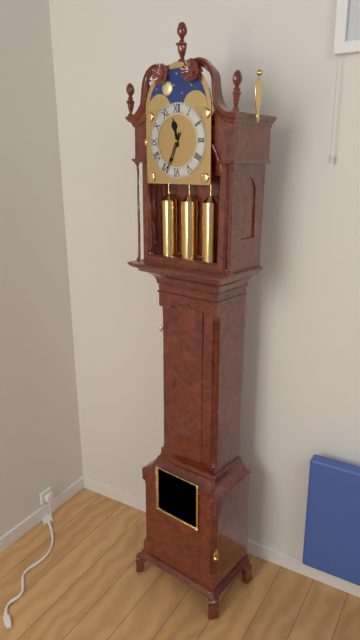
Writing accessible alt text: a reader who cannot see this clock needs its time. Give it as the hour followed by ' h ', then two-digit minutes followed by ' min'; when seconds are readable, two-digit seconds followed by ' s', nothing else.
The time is 11 h 34 min
